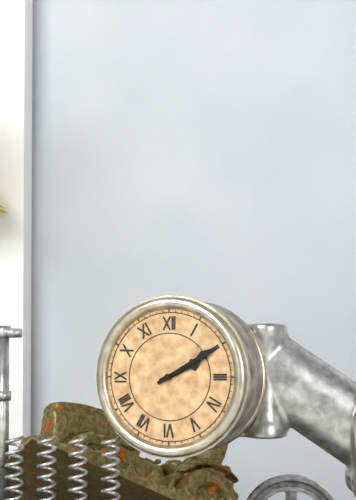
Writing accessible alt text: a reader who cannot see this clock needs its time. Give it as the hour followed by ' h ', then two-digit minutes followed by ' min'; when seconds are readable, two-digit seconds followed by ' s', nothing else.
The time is 2 h 10 min
